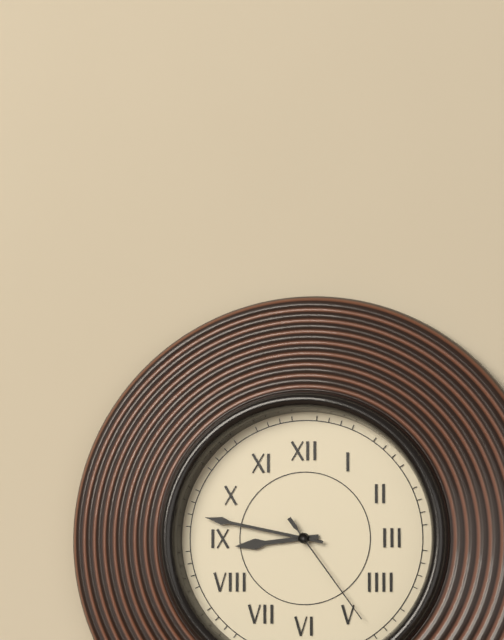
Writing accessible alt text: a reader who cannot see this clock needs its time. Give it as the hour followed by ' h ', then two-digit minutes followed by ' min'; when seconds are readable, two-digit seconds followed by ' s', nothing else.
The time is 8 h 47 min 24 s
